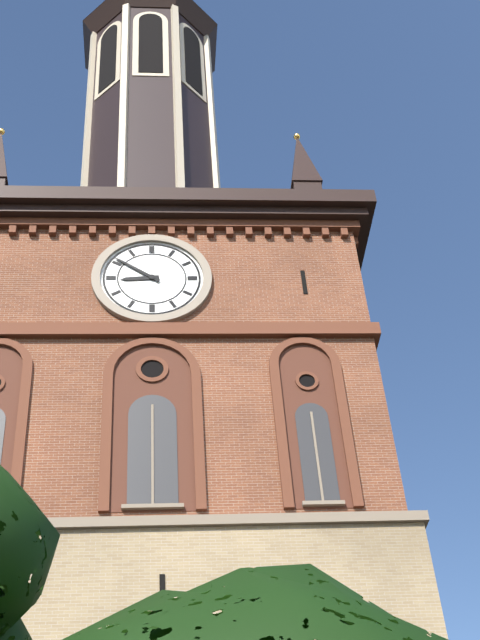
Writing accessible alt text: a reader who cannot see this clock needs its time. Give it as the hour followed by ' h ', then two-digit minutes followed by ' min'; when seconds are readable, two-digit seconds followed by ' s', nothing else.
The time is 8 h 51 min
